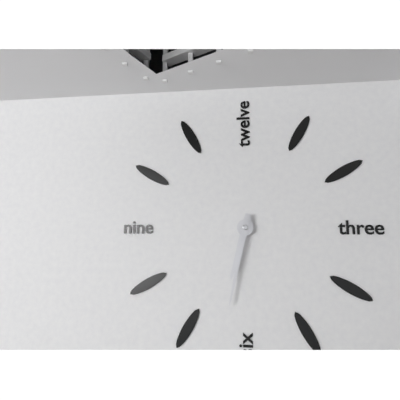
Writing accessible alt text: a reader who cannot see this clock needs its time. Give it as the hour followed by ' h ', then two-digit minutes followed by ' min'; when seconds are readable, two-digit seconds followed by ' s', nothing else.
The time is 6 h 32 min
